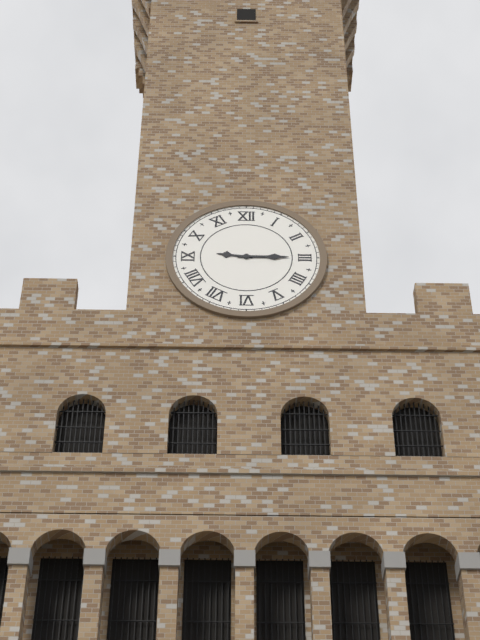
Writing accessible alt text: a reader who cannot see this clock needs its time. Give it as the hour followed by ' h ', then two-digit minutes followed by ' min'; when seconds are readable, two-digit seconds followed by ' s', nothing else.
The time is 9 h 15 min
